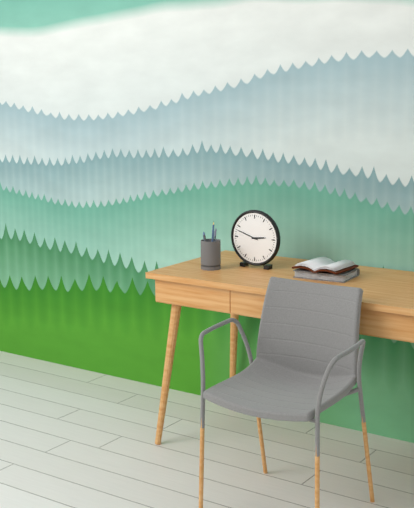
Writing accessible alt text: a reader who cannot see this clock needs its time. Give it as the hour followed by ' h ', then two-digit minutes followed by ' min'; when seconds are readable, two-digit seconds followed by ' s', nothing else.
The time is 2 h 48 min
